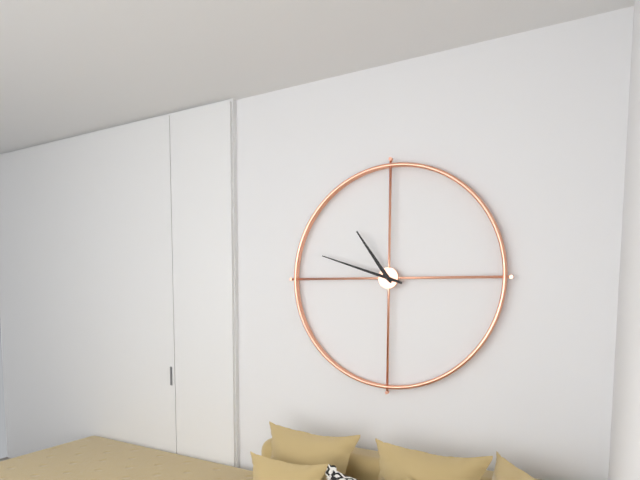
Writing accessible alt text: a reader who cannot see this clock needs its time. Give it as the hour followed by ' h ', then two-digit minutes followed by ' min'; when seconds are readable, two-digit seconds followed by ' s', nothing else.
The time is 10 h 48 min
